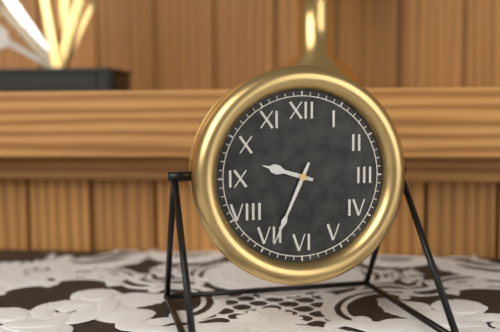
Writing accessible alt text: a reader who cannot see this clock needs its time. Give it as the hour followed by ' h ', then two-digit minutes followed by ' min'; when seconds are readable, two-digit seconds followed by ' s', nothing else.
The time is 9 h 34 min
